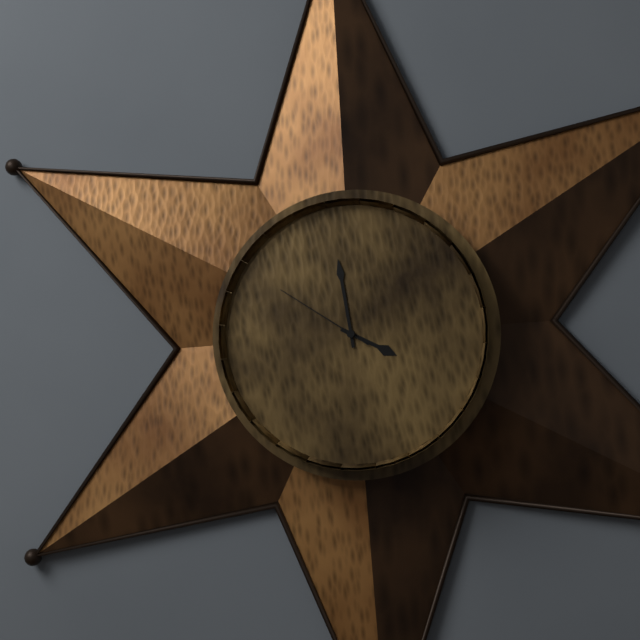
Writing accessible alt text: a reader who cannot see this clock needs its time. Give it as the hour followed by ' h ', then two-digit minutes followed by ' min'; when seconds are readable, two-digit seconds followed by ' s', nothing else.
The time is 3 h 59 min 51 s
